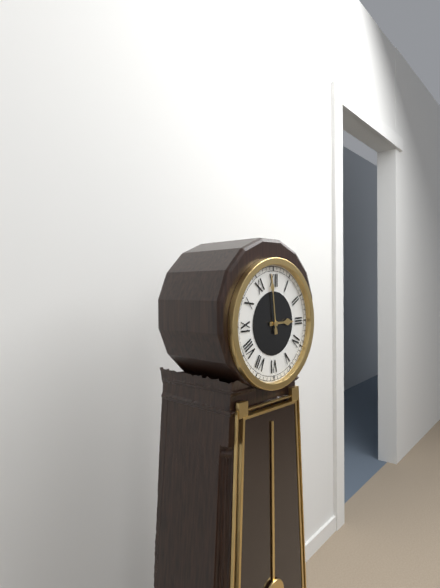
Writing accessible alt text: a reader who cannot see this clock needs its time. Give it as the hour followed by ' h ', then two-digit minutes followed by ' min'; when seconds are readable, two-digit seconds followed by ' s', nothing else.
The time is 2 h 59 min
